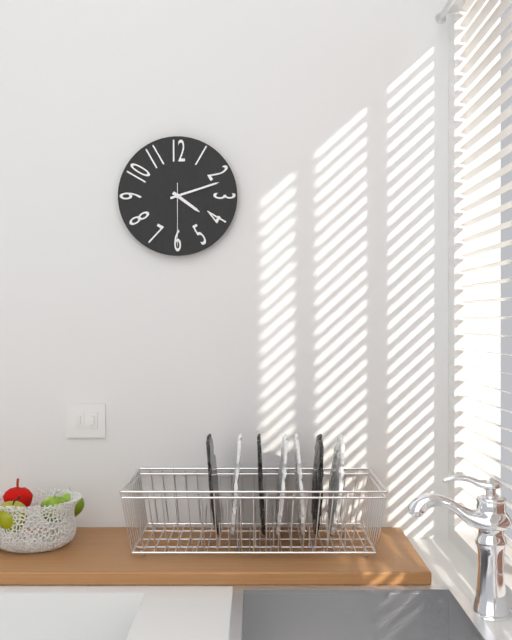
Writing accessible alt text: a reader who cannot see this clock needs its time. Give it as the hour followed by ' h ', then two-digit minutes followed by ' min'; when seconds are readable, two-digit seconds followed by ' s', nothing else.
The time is 4 h 12 min 30 s
